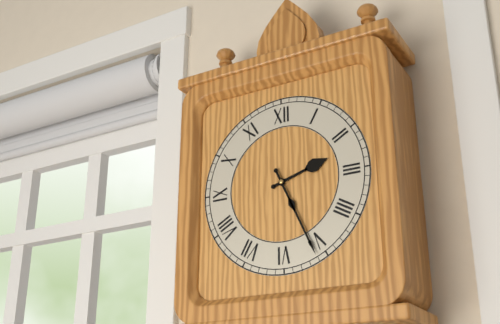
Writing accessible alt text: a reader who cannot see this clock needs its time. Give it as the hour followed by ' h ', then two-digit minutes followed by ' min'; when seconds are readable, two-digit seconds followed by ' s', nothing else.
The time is 2 h 26 min
